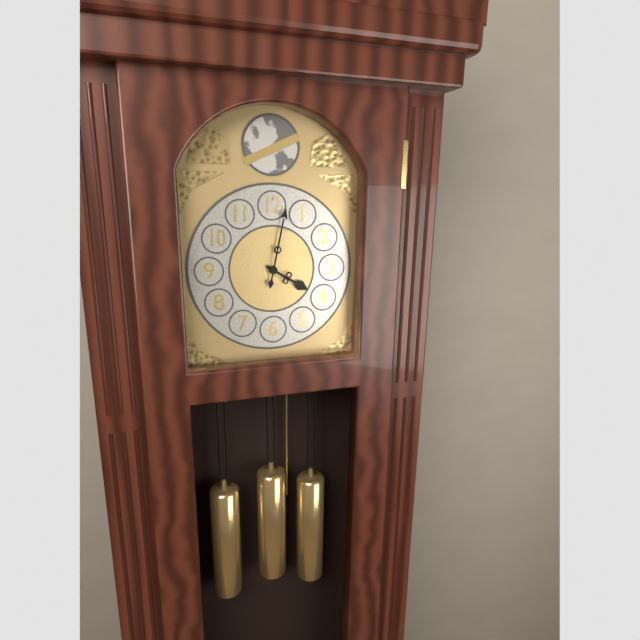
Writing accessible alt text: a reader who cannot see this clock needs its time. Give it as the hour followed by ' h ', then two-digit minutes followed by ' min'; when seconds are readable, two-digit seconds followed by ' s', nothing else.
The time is 4 h 02 min
